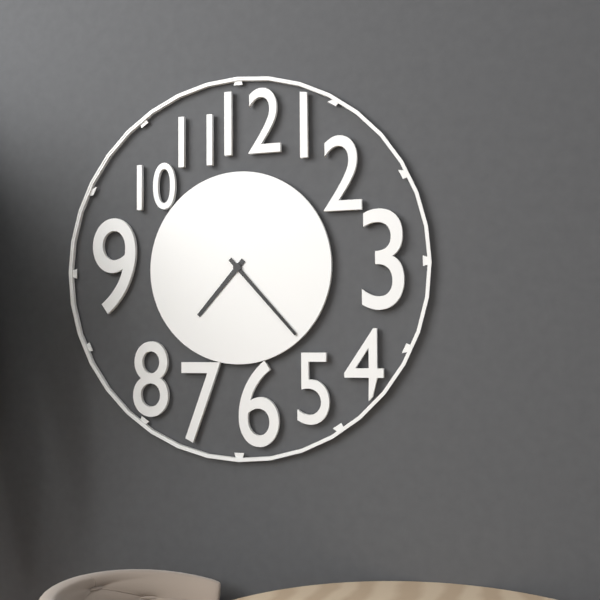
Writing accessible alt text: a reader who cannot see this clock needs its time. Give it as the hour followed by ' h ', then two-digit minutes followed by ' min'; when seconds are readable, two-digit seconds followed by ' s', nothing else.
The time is 7 h 23 min
